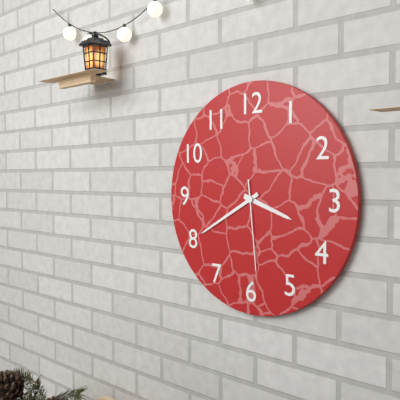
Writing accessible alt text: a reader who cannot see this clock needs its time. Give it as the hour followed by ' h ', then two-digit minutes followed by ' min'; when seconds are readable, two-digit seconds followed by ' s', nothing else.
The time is 3 h 40 min 29 s
